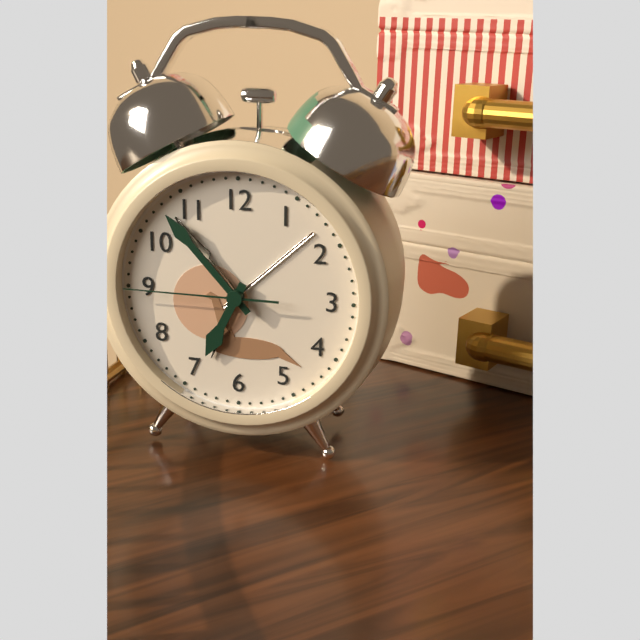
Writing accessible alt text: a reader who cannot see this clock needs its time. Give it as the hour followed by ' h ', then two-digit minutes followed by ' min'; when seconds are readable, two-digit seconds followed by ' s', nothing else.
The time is 6 h 53 min 45 s
